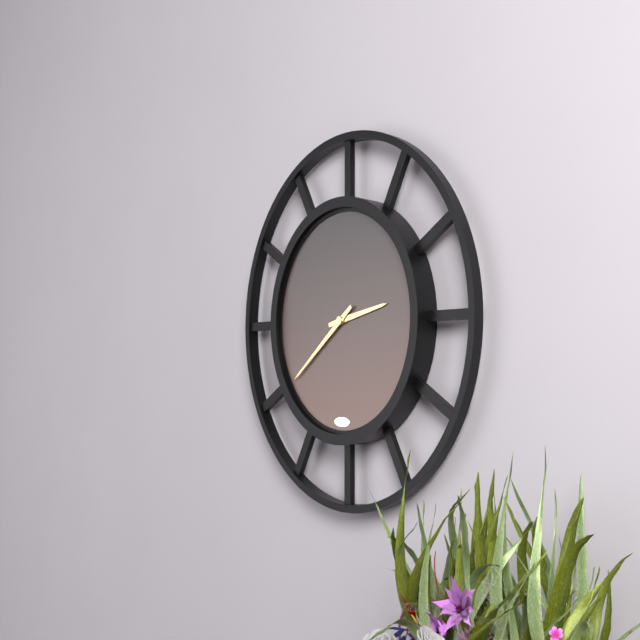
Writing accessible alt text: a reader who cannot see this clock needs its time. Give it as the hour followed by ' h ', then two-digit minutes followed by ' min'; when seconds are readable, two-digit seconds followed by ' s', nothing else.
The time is 2 h 39 min
